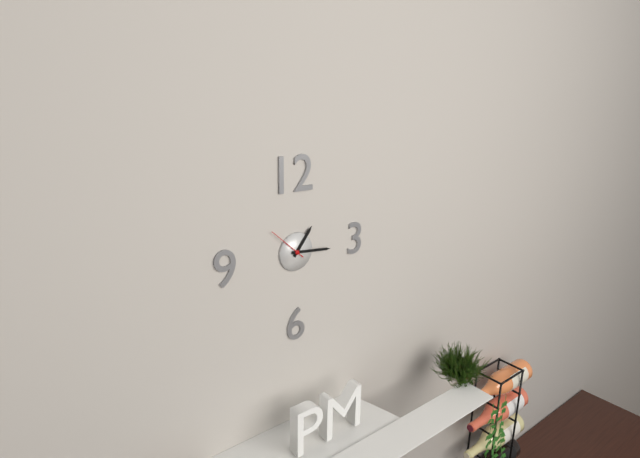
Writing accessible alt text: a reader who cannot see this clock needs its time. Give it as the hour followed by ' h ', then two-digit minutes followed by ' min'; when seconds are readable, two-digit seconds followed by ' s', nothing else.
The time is 1 h 16 min
